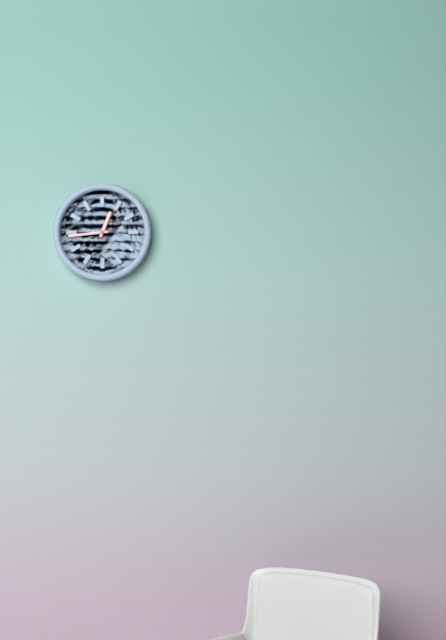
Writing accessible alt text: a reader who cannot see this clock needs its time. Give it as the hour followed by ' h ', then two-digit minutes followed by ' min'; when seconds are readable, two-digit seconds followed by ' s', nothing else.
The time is 12 h 44 min
